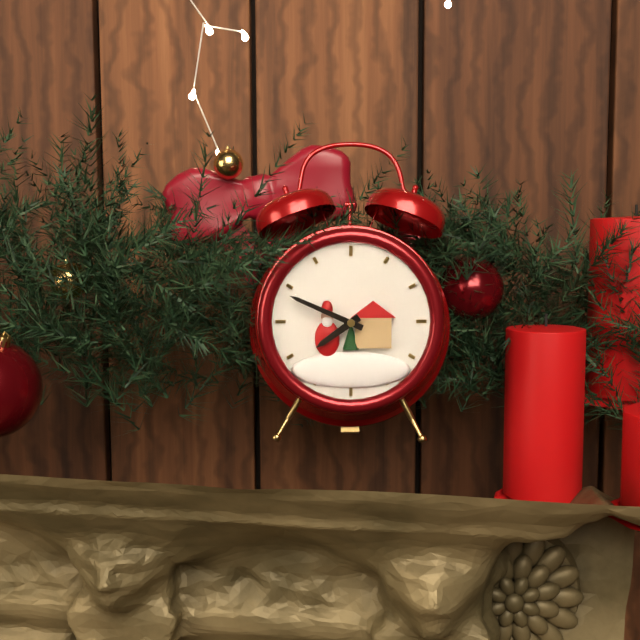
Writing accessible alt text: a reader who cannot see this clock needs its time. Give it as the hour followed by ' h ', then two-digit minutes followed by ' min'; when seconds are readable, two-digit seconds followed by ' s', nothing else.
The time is 7 h 49 min
